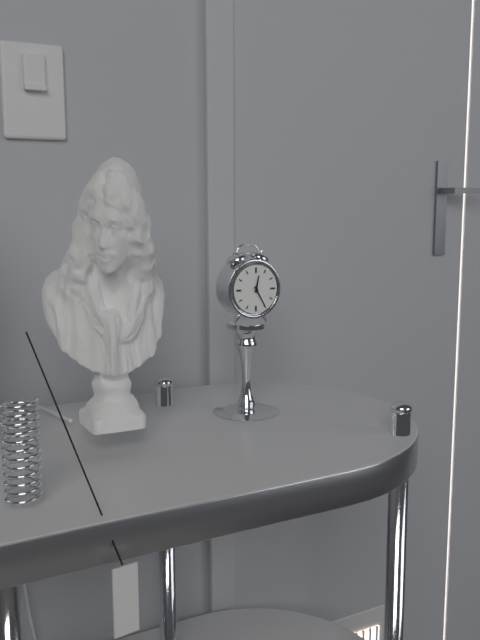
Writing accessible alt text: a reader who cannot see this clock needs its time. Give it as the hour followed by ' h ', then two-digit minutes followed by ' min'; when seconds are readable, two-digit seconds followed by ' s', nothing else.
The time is 12 h 25 min
